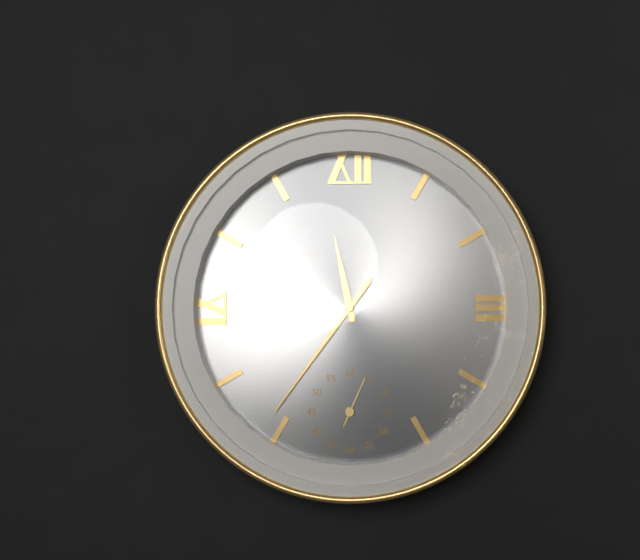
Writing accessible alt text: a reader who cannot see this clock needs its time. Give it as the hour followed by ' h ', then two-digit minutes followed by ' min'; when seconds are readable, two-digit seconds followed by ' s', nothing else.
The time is 11 h 36 min
